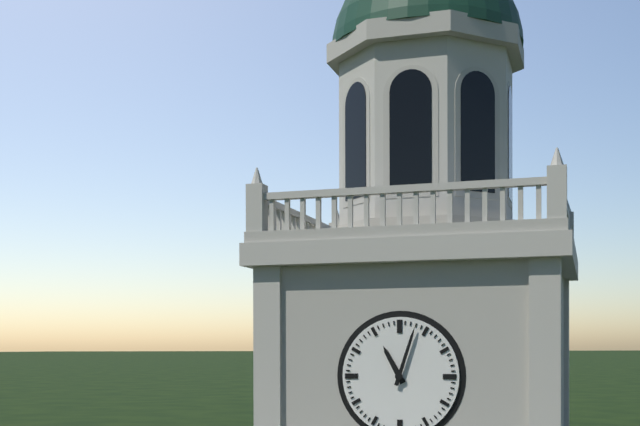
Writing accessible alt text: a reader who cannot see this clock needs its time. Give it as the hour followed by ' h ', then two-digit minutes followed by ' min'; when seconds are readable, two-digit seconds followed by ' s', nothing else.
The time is 11 h 03 min
